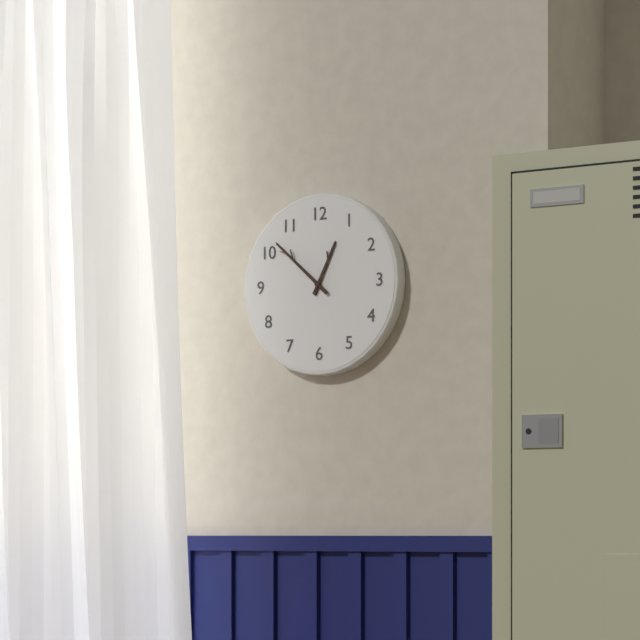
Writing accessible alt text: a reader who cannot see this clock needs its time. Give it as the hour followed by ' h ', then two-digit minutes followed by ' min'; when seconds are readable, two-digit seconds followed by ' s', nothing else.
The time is 12 h 52 min
